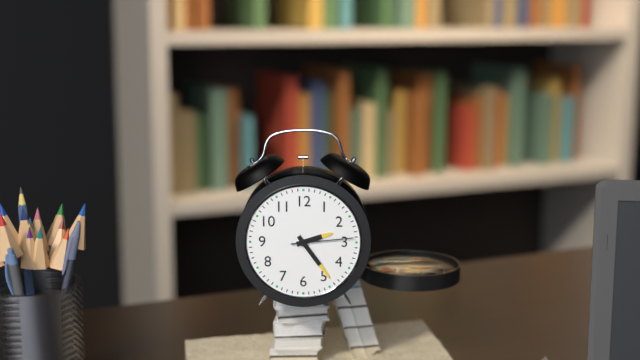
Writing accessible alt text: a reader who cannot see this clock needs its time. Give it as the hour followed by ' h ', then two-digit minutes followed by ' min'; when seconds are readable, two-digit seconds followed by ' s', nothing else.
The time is 2 h 24 min 14 s
